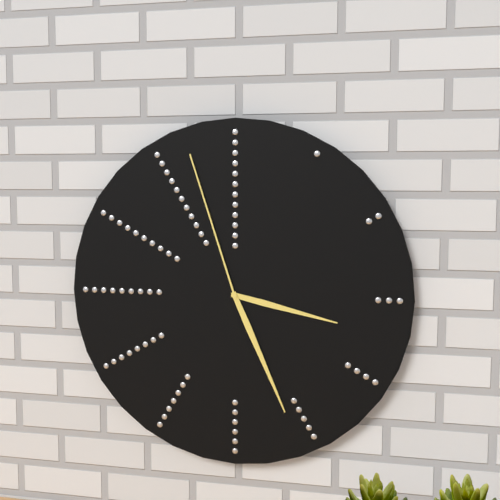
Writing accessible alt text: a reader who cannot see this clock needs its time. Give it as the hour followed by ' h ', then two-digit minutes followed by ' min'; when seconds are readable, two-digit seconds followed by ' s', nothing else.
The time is 3 h 26 min 57 s
